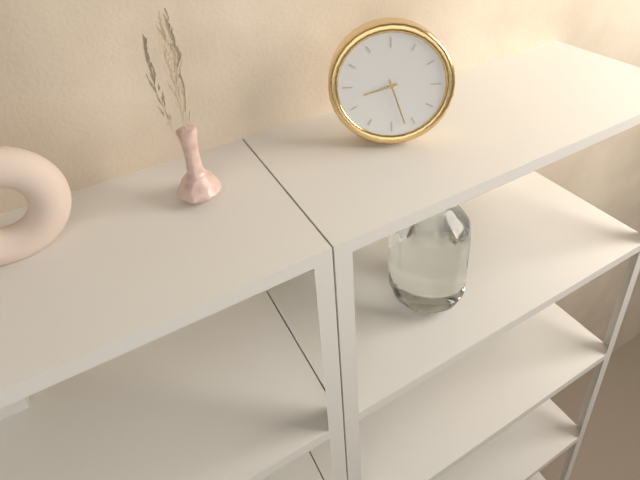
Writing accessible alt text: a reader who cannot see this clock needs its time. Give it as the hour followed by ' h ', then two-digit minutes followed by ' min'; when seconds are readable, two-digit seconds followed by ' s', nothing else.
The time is 8 h 27 min
